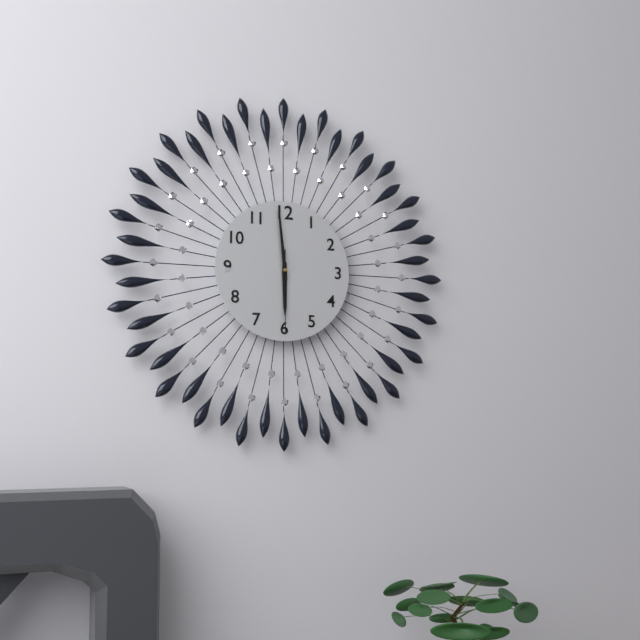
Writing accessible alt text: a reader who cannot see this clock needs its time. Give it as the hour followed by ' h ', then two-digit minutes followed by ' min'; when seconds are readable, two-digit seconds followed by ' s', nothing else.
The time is 5 h 59 min 30 s
